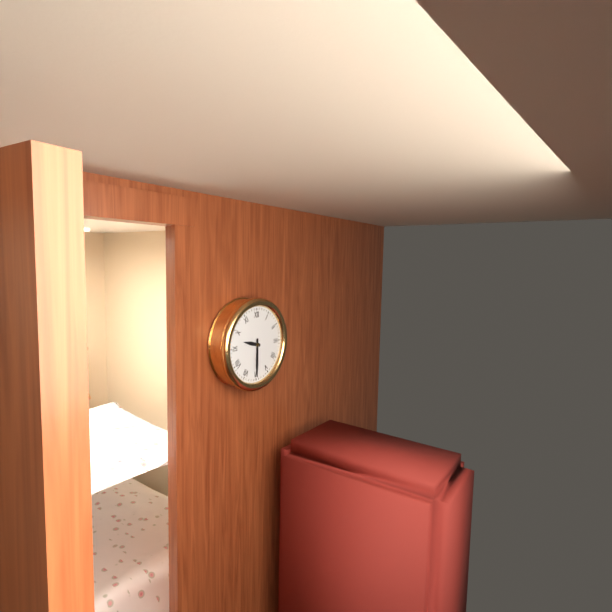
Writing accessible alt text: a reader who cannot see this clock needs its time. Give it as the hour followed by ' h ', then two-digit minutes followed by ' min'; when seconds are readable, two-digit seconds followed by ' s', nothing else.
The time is 9 h 30 min
